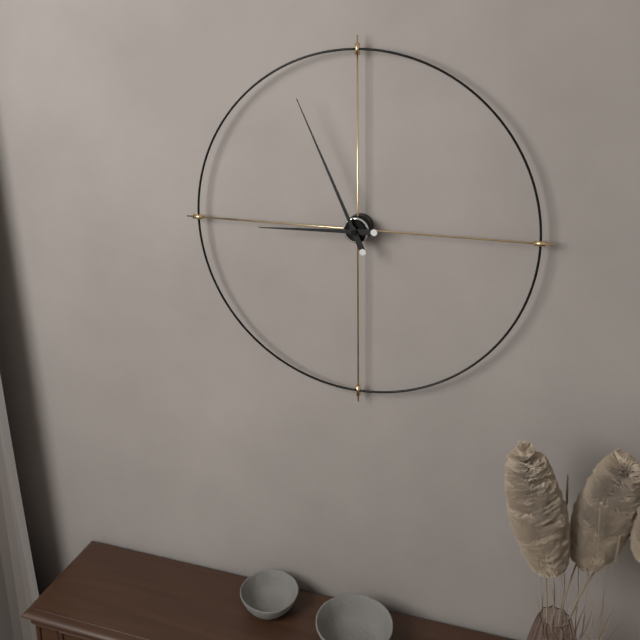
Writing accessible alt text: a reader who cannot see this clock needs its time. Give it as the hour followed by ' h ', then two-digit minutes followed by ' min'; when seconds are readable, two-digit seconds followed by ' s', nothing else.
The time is 8 h 56 min
